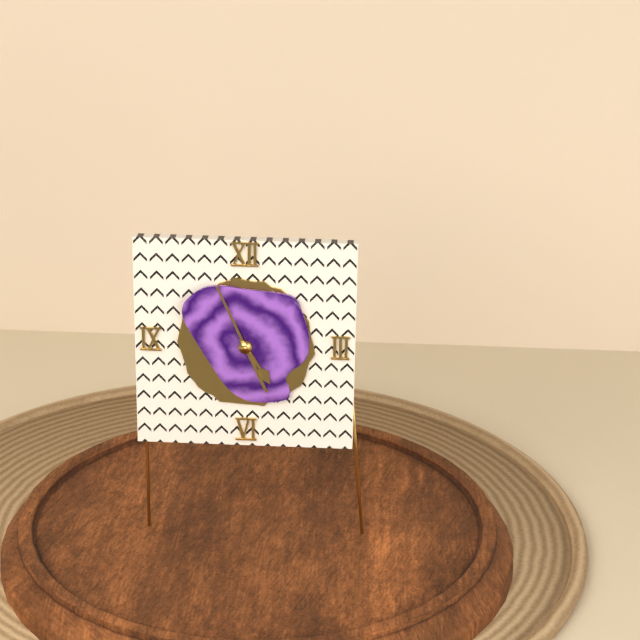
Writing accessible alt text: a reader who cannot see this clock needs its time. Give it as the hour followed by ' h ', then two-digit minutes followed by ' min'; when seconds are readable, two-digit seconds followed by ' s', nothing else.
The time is 4 h 56 min
